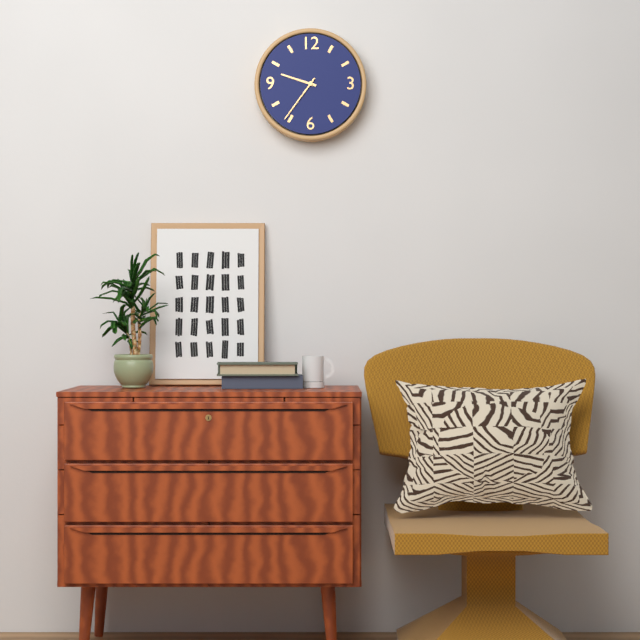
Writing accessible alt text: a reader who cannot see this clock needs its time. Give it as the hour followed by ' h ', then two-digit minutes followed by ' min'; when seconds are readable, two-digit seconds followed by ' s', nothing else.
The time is 9 h 36 min
